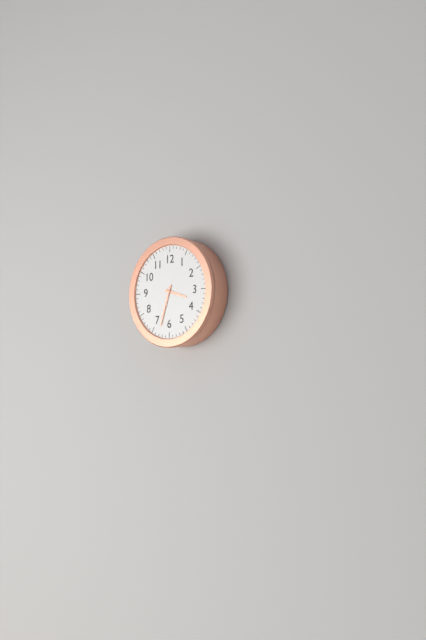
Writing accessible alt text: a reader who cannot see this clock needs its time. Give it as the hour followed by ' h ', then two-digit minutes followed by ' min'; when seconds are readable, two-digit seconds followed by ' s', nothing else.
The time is 3 h 33 min
